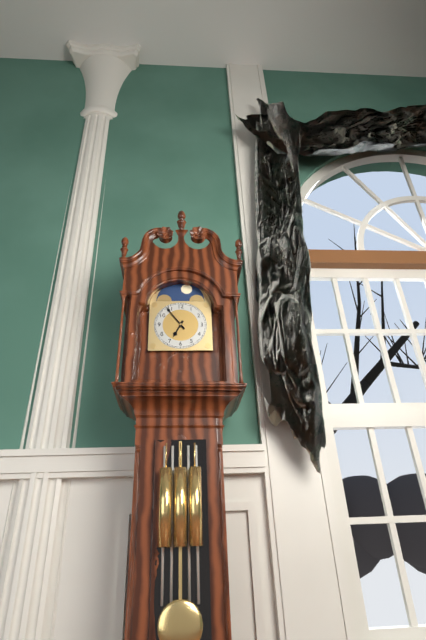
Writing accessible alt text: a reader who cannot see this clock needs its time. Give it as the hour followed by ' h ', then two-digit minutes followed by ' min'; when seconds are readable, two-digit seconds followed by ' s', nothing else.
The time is 6 h 54 min
